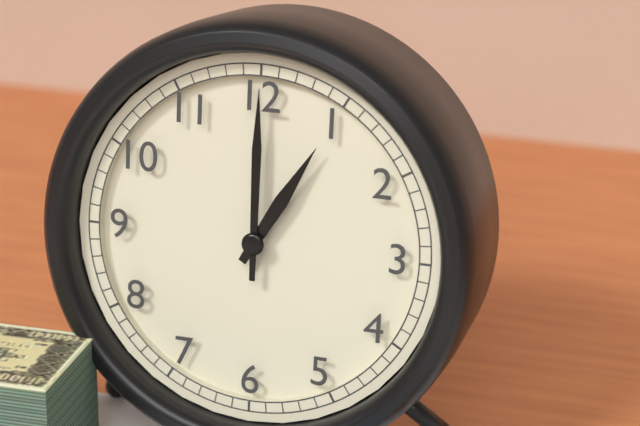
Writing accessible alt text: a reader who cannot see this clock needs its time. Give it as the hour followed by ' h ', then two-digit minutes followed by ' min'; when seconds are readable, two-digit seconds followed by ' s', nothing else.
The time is 1 h 00 min
